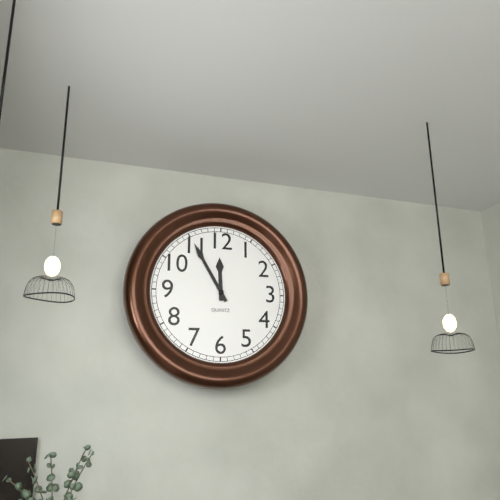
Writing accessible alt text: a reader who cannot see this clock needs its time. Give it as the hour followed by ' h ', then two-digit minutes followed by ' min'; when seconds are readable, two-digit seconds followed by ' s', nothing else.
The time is 11 h 55 min
